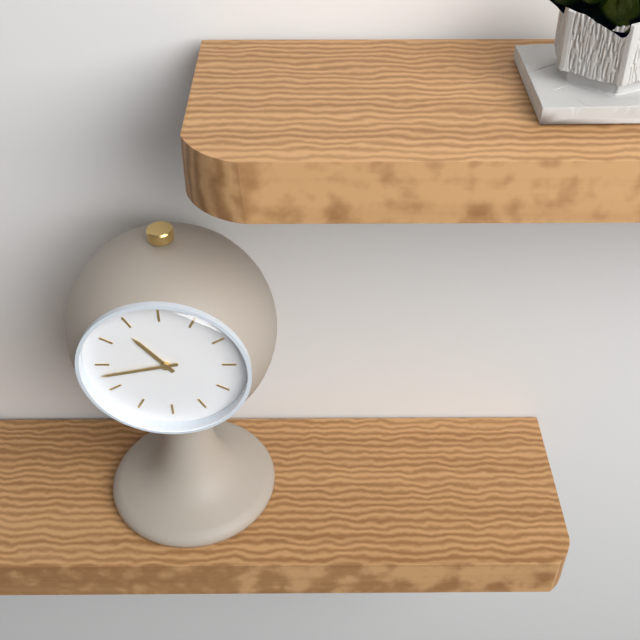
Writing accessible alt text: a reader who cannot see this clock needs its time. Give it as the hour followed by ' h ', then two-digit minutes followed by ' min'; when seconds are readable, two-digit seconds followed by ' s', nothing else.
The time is 10 h 43 min
